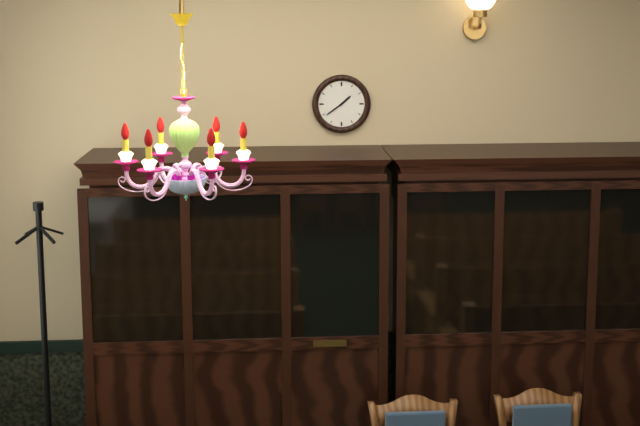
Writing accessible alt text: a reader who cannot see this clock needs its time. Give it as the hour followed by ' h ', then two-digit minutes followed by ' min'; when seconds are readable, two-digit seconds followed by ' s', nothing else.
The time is 1 h 39 min
